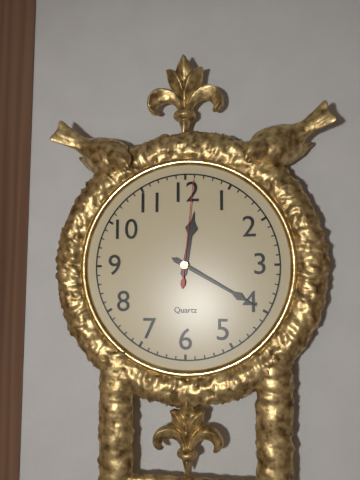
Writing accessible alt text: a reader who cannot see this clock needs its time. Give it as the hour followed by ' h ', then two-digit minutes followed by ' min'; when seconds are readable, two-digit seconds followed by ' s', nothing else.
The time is 12 h 20 min 01 s
